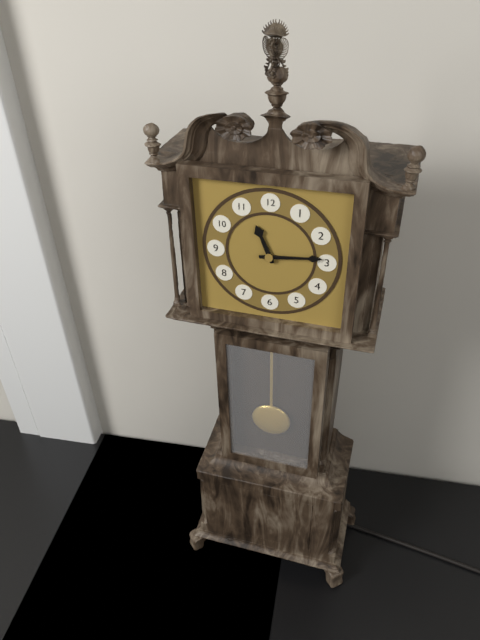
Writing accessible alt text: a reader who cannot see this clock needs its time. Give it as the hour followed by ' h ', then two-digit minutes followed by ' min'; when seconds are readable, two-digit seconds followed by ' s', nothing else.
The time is 11 h 14 min
